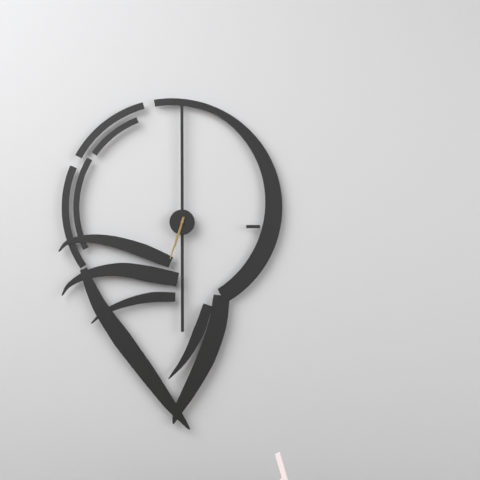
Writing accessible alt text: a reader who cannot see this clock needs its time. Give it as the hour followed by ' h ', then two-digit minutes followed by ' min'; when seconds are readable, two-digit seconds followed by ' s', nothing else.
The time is 6 h 33 min
